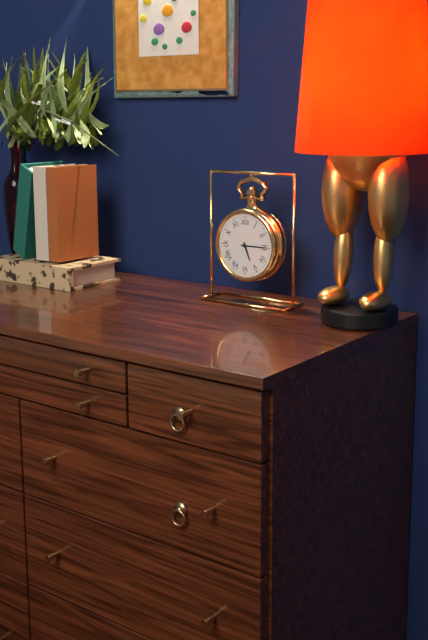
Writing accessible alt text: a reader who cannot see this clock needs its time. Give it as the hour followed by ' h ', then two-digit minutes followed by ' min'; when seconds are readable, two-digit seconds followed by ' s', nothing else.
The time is 5 h 15 min
